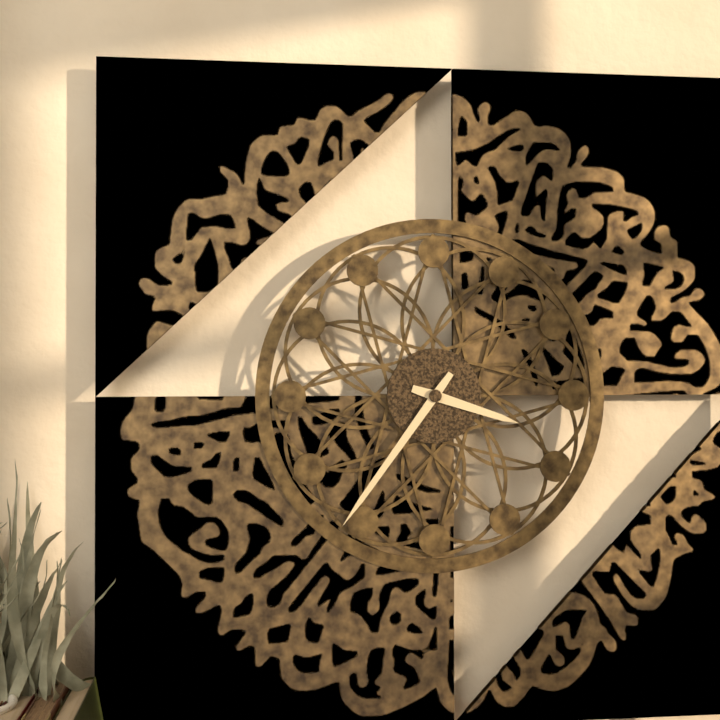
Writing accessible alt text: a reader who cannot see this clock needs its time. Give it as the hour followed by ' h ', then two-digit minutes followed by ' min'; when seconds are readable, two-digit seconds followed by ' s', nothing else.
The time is 3 h 36 min
